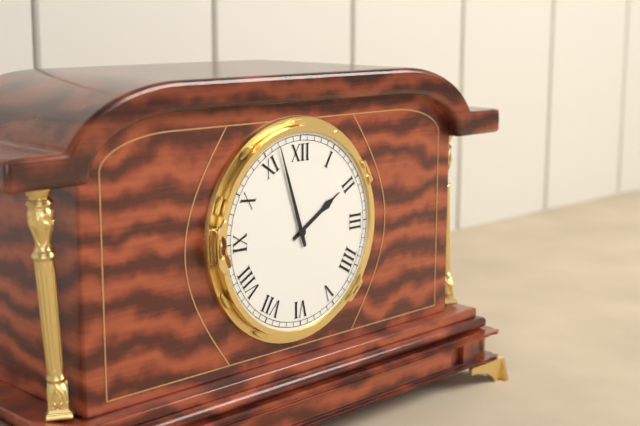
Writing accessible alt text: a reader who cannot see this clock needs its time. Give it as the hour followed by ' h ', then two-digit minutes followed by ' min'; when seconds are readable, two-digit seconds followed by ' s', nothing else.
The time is 1 h 57 min
